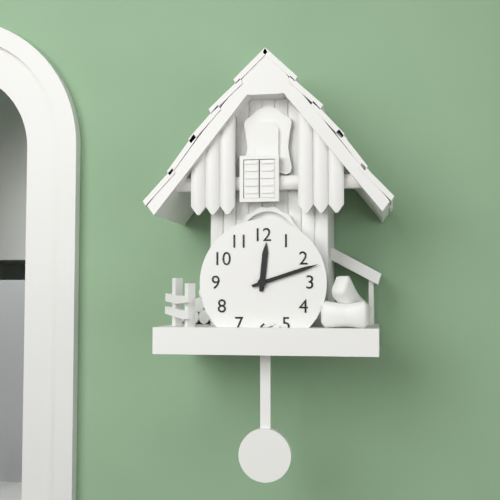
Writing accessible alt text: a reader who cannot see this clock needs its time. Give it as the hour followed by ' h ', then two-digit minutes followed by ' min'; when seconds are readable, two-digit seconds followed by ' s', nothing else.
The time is 12 h 12 min
